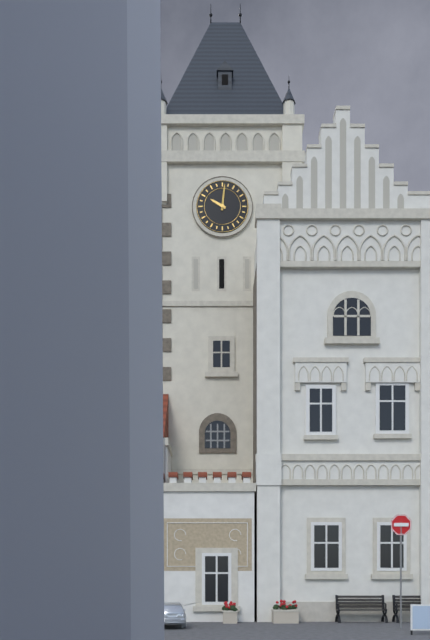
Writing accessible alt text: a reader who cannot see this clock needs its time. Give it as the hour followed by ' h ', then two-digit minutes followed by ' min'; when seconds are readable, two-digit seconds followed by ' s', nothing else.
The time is 10 h 01 min
